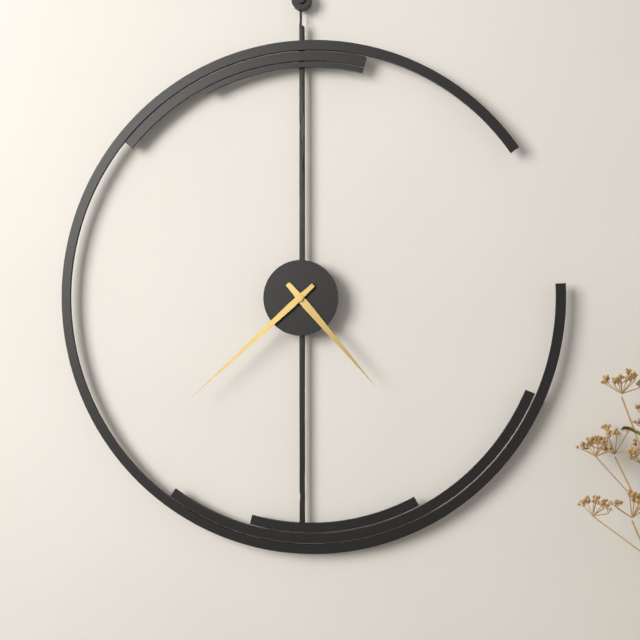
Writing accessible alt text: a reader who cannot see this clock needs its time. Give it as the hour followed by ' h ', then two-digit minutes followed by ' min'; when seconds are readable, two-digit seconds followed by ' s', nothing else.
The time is 4 h 38 min
